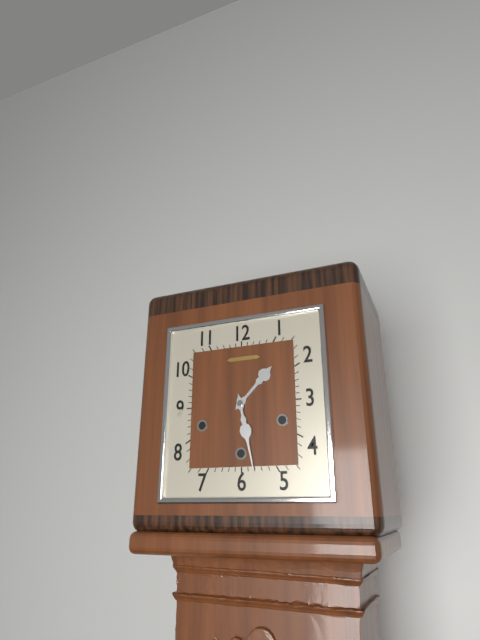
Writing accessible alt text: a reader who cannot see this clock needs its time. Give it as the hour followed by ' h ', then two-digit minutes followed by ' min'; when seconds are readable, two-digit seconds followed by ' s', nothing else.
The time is 1 h 28 min
